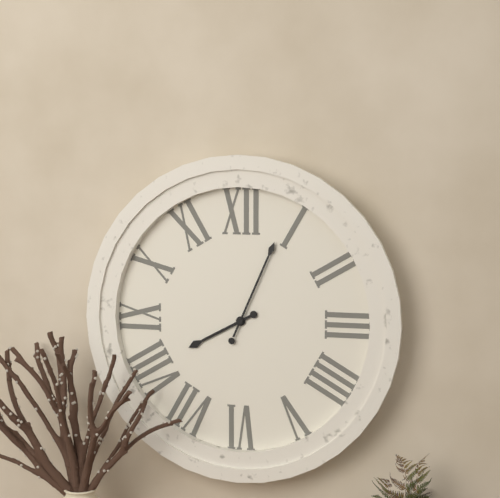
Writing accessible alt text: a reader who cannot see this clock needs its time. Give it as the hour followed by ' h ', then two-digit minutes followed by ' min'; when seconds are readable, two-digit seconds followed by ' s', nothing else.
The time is 8 h 04 min
